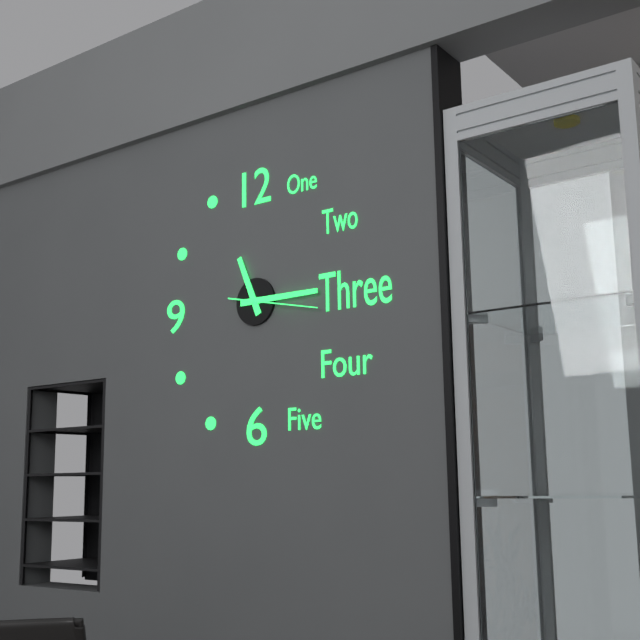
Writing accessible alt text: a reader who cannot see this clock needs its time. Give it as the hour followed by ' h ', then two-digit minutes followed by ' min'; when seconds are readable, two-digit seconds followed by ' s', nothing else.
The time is 11 h 15 min 17 s
